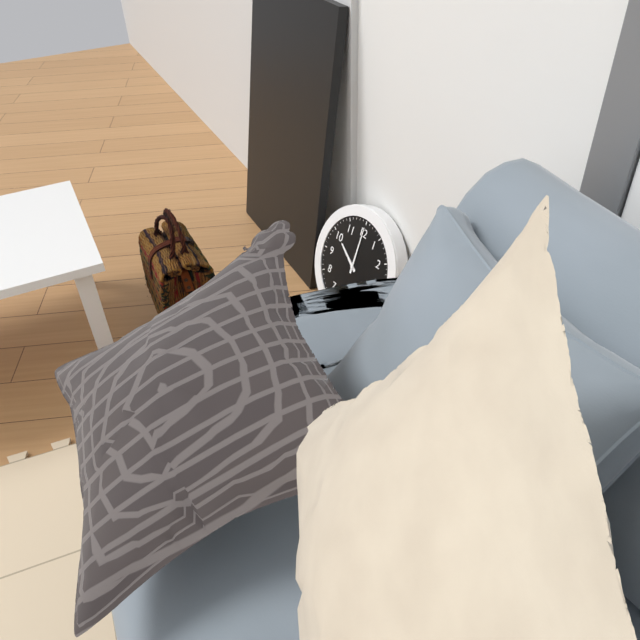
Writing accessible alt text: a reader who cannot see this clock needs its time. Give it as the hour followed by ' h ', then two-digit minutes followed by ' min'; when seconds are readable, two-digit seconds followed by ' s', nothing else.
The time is 10 h 00 min
